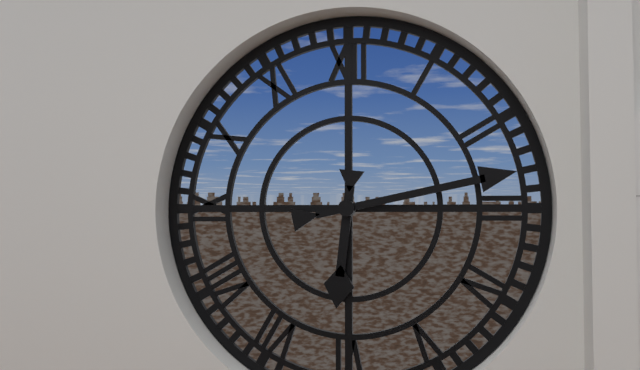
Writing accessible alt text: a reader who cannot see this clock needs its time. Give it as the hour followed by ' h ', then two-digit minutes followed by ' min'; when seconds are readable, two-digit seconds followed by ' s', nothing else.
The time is 6 h 13 min
